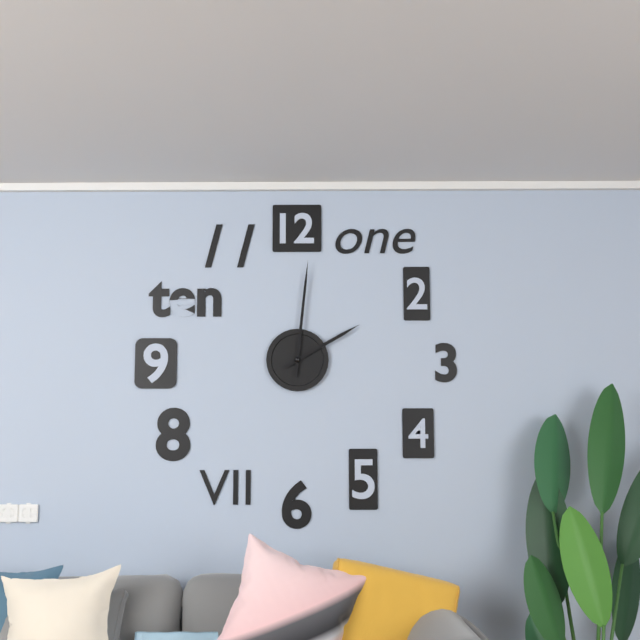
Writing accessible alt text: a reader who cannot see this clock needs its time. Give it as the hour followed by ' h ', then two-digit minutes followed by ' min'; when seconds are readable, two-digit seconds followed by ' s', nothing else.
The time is 2 h 01 min
